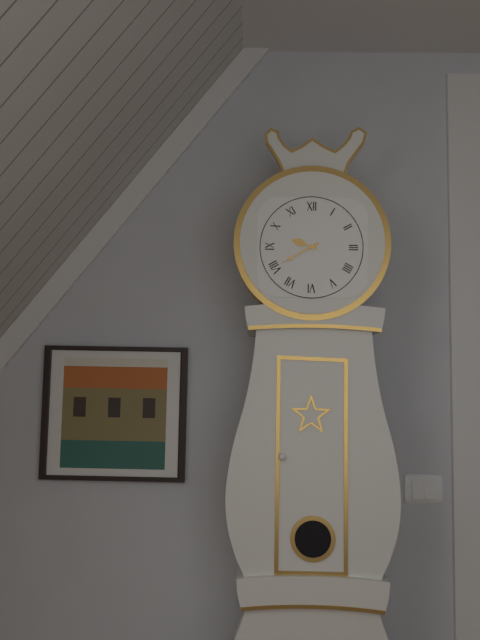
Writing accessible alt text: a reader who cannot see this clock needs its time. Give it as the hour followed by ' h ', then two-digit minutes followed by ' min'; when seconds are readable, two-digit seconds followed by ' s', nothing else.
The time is 9 h 40 min
